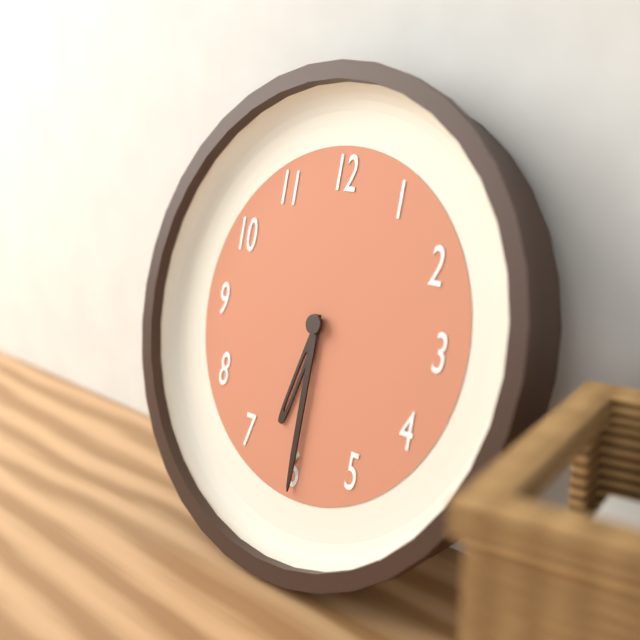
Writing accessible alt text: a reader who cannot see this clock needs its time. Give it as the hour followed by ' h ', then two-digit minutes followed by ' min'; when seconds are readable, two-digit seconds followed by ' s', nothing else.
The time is 6 h 30 min
